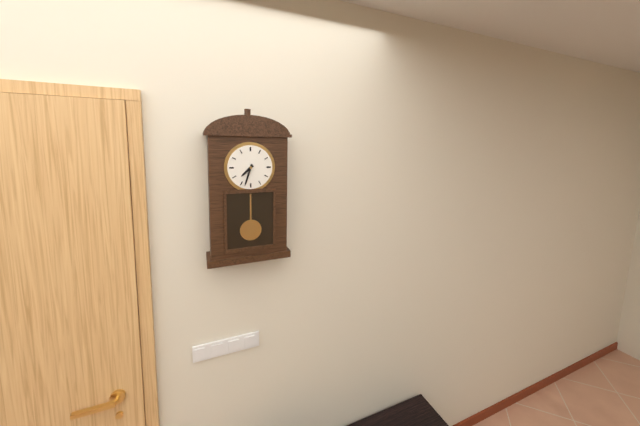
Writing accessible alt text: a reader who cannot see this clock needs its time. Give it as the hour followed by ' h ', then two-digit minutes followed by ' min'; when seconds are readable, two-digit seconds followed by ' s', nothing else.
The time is 7 h 33 min
